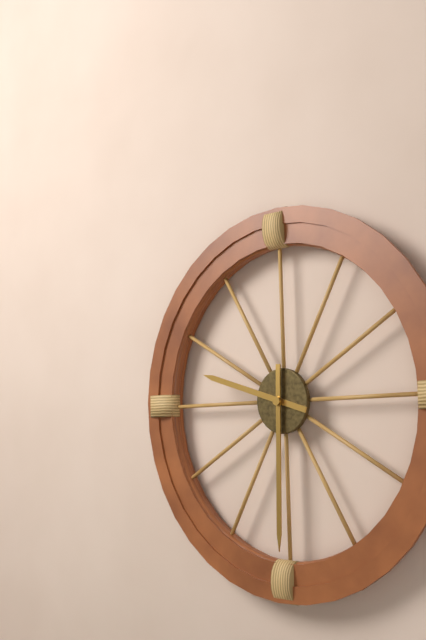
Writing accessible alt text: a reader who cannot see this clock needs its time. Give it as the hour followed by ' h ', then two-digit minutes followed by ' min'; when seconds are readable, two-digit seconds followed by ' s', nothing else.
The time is 9 h 30 min
